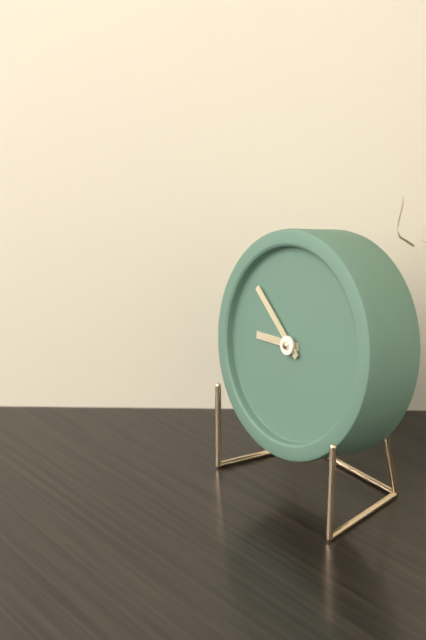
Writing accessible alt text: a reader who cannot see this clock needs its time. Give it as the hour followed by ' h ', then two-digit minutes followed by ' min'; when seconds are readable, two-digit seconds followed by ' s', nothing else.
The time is 8 h 51 min
